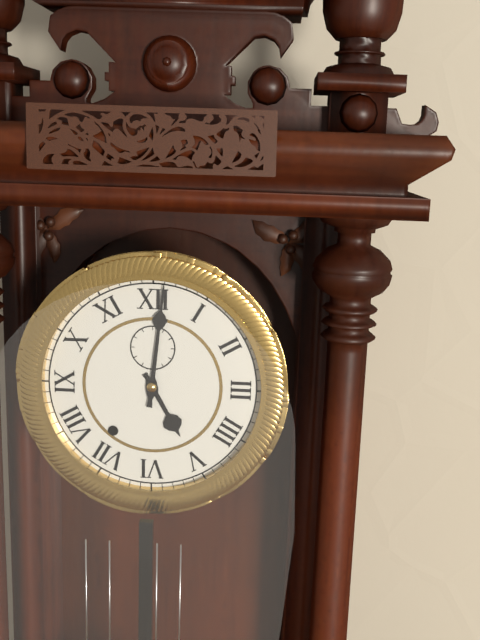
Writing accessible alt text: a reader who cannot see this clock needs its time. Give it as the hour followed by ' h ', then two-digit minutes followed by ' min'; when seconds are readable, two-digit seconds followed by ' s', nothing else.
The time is 5 h 01 min
